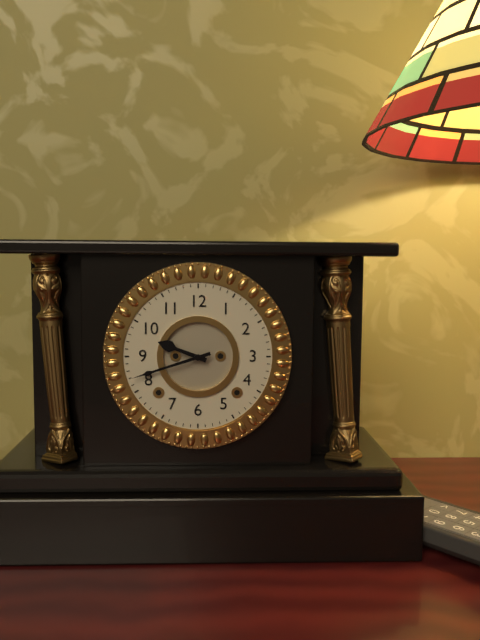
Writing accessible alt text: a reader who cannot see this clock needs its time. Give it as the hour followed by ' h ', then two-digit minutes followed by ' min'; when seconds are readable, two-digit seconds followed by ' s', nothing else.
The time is 9 h 42 min
